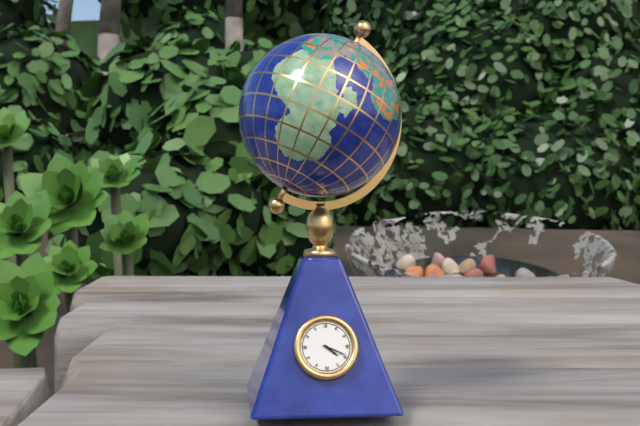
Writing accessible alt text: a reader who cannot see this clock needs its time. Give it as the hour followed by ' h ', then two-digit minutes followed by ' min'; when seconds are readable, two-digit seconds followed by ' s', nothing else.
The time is 4 h 19 min
